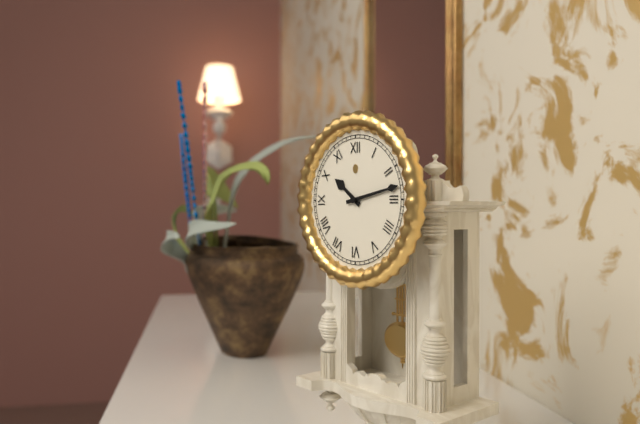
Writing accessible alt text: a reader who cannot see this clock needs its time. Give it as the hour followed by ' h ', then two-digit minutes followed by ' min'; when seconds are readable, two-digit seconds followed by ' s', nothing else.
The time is 10 h 13 min
